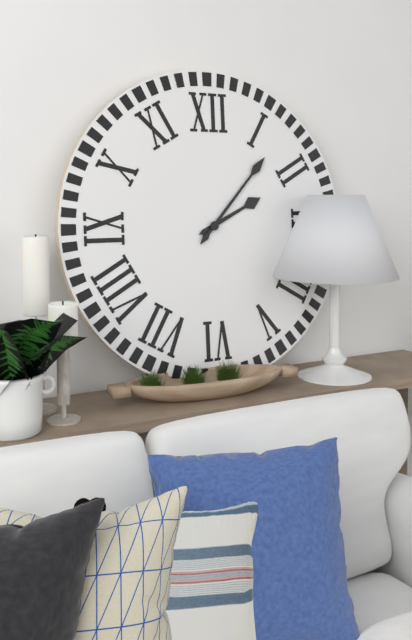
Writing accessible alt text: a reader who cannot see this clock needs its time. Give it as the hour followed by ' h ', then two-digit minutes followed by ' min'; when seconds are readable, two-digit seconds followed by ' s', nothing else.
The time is 2 h 07 min
